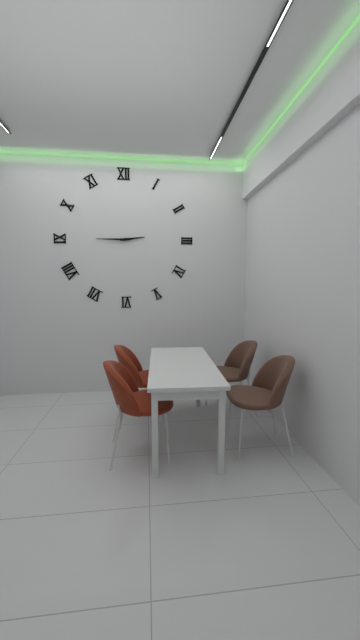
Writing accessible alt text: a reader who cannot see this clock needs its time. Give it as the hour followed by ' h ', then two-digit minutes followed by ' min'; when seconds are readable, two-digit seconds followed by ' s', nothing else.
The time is 2 h 45 min
